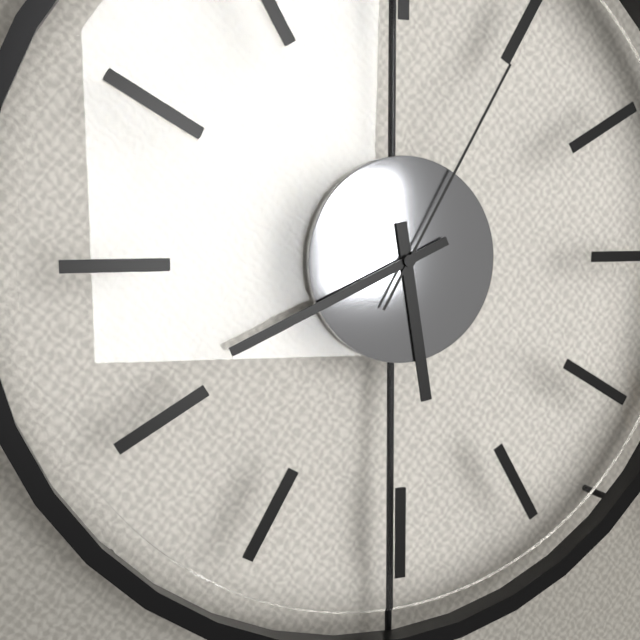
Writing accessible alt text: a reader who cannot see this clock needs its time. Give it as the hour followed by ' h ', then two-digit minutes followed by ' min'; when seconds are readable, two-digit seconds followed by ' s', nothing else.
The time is 5 h 41 min 05 s
